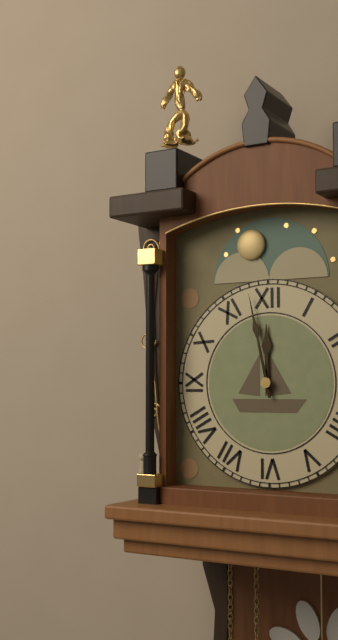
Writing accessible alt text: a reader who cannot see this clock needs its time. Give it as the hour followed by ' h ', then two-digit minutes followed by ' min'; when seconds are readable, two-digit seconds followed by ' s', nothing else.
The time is 11 h 58 min
